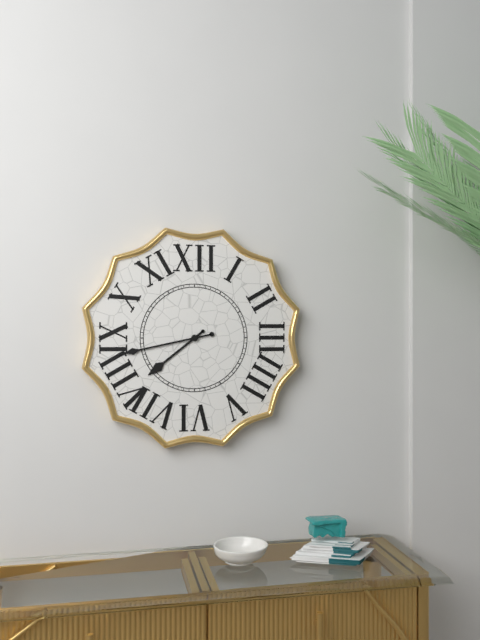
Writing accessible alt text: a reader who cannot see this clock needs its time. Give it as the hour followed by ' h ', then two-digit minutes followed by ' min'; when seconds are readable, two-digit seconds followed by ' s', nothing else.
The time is 7 h 43 min
